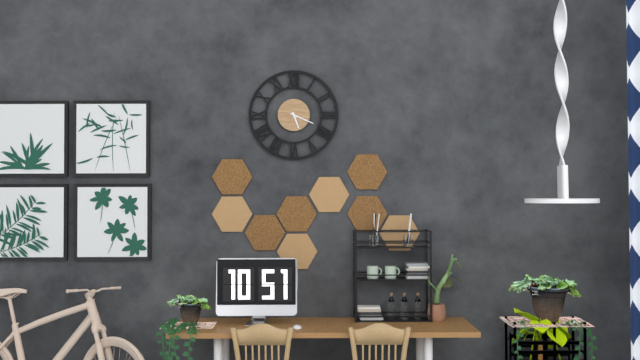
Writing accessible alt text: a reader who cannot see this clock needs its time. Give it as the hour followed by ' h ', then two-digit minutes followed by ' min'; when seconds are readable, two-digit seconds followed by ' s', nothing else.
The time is 5 h 19 min
